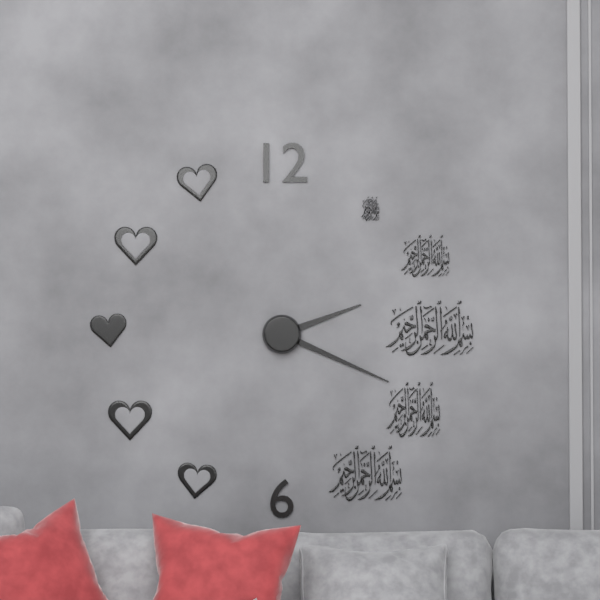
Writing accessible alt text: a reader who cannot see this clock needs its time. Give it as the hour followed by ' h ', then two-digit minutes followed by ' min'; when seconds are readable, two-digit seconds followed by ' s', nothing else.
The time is 2 h 19 min
